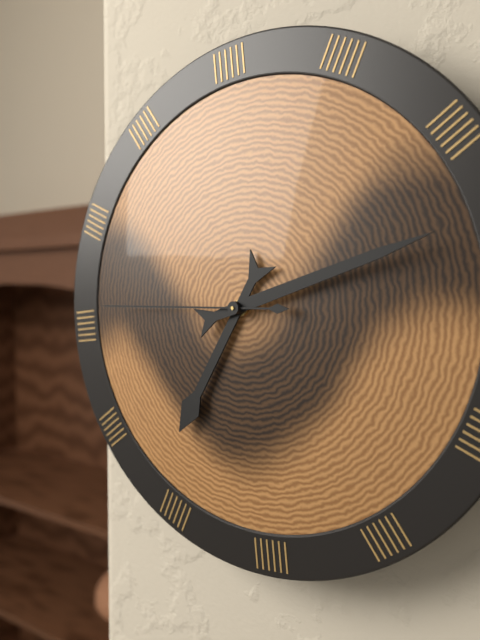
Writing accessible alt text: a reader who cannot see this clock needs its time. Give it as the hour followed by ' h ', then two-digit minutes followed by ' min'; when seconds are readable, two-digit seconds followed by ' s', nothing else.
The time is 7 h 13 min 46 s
